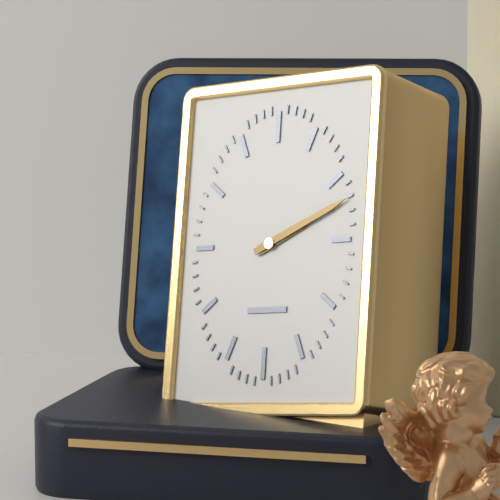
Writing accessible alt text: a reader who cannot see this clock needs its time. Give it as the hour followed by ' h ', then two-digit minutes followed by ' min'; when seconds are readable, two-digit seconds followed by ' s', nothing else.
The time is 2 h 11 min
